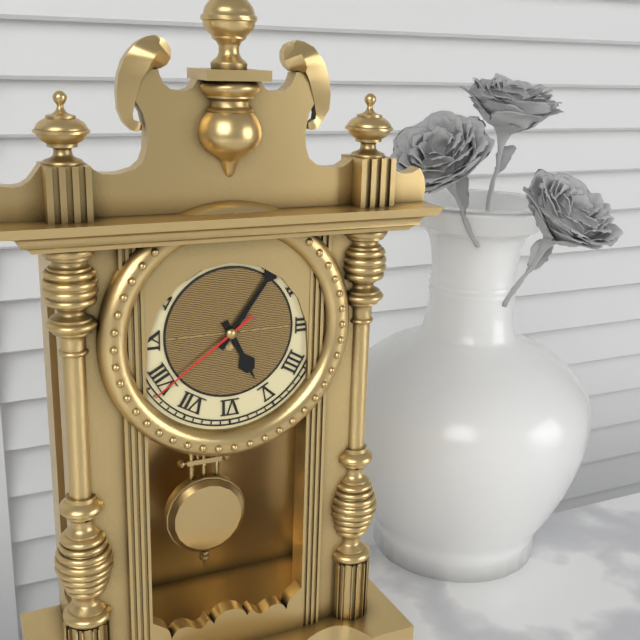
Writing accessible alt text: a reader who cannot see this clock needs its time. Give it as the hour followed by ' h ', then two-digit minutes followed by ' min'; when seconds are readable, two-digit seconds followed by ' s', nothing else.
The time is 5 h 06 min 39 s
